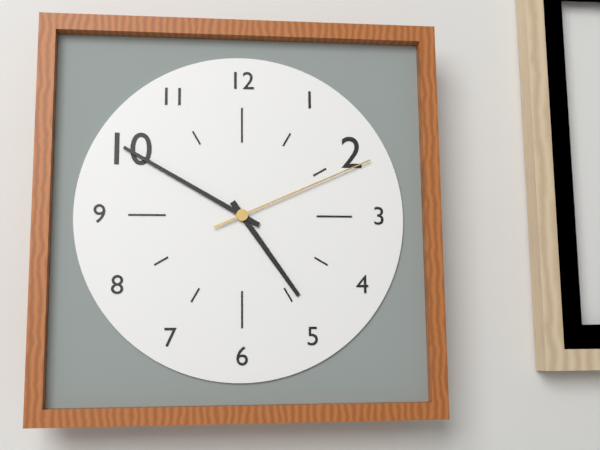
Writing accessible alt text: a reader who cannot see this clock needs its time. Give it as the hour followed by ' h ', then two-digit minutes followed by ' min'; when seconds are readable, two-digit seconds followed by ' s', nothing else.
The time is 4 h 50 min 11 s
